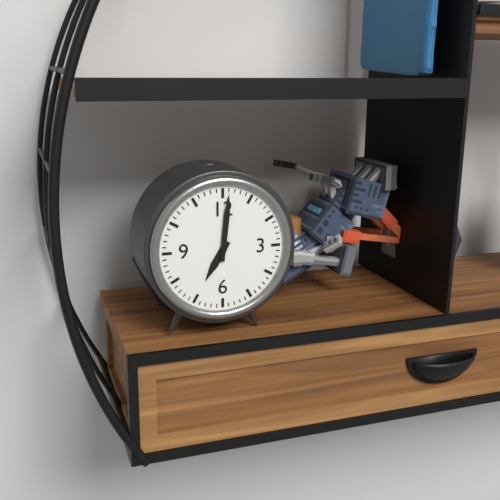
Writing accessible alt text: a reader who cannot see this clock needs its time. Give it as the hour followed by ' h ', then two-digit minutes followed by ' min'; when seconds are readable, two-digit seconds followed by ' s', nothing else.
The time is 7 h 01 min
